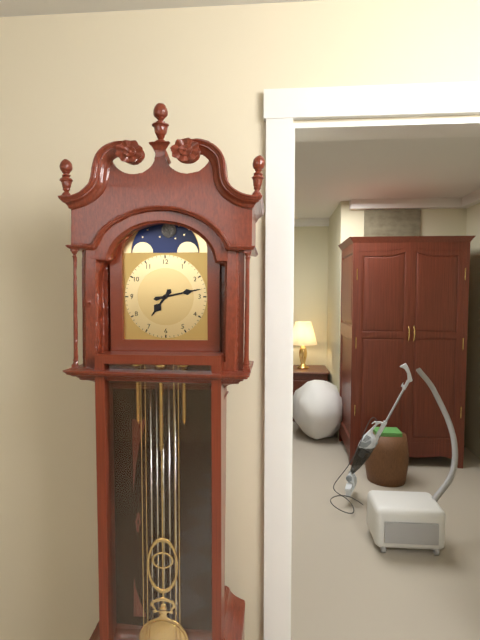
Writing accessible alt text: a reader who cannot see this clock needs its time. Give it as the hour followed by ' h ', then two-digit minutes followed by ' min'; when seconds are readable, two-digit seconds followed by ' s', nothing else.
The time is 7 h 13 min
